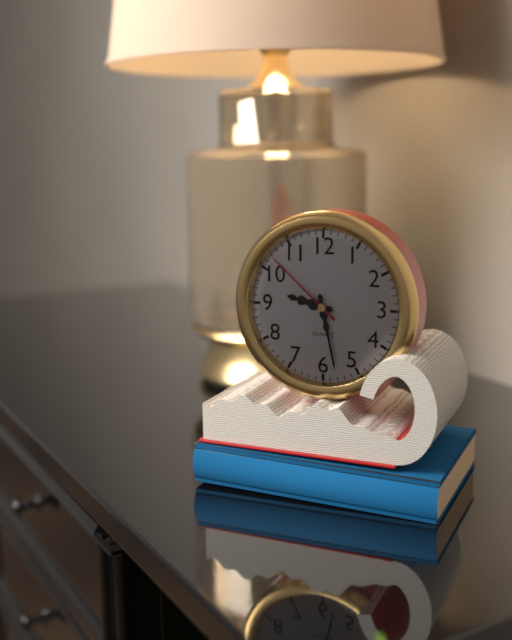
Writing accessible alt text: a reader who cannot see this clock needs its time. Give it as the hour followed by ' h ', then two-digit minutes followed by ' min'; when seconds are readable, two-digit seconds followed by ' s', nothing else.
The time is 9 h 28 min 52 s
